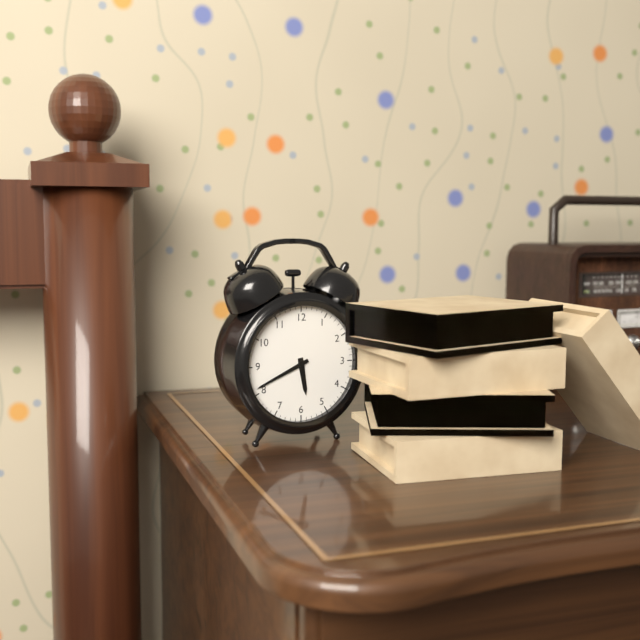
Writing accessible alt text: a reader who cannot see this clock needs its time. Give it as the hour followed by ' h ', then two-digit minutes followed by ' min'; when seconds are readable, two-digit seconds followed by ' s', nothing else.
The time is 5 h 41 min
